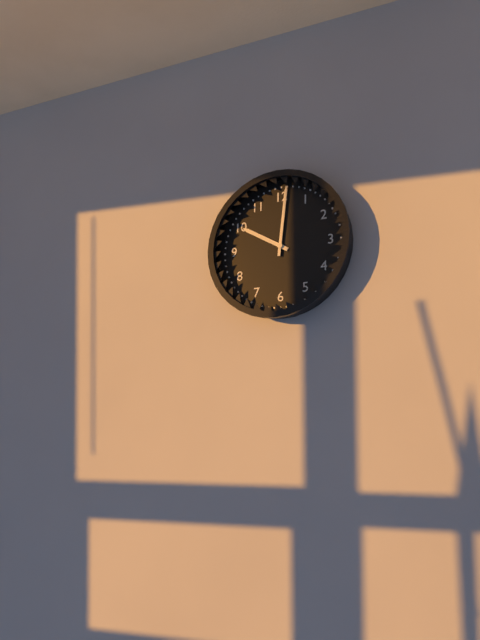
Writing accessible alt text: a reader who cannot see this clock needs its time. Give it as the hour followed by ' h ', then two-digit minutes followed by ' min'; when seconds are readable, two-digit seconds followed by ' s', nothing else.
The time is 10 h 01 min
